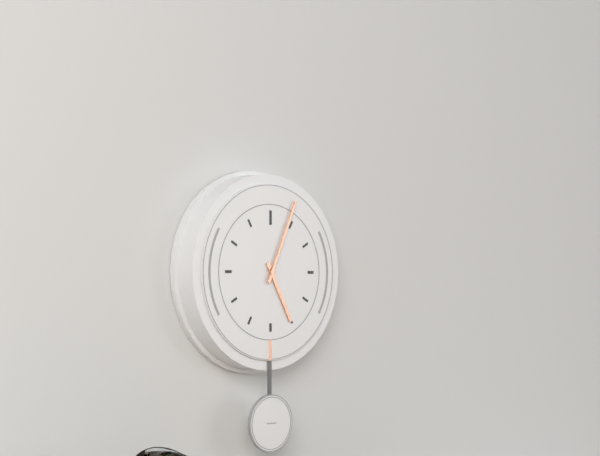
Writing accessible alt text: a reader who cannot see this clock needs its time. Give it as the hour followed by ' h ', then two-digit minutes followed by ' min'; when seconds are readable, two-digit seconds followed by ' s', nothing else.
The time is 5 h 04 min
